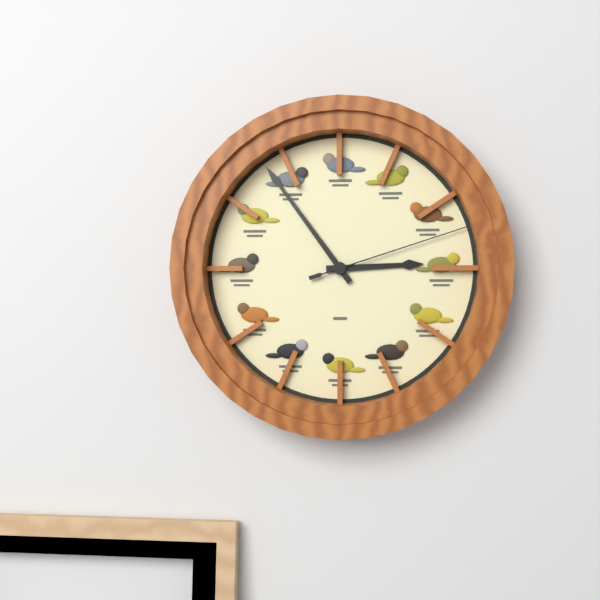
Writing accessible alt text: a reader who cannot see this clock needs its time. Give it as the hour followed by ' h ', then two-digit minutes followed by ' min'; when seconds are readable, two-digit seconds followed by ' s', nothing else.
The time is 2 h 54 min 12 s
